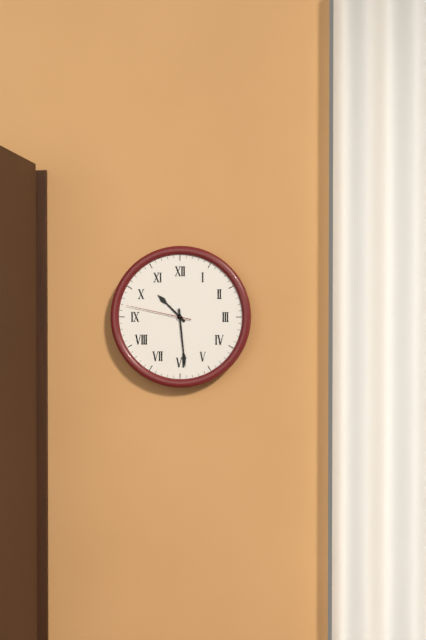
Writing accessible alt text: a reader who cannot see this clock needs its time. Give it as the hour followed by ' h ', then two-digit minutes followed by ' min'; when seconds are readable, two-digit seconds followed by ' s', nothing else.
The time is 10 h 29 min 47 s
